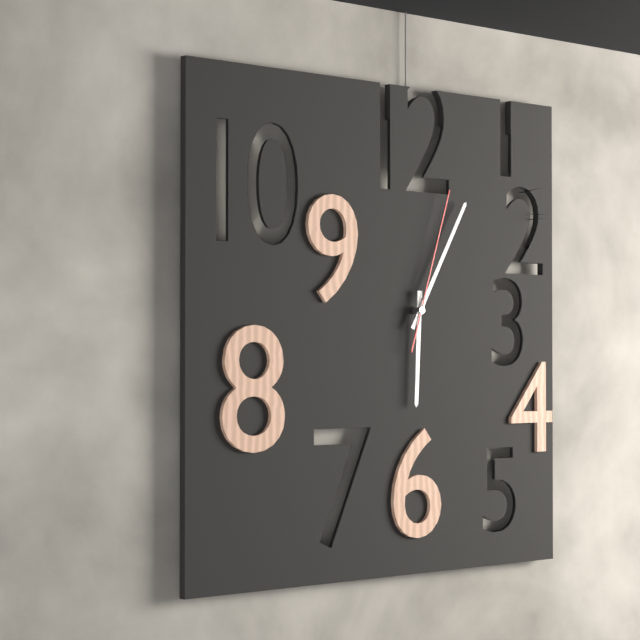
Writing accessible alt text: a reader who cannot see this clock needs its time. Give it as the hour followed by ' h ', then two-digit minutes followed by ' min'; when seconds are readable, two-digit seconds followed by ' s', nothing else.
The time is 6 h 05 min 03 s
